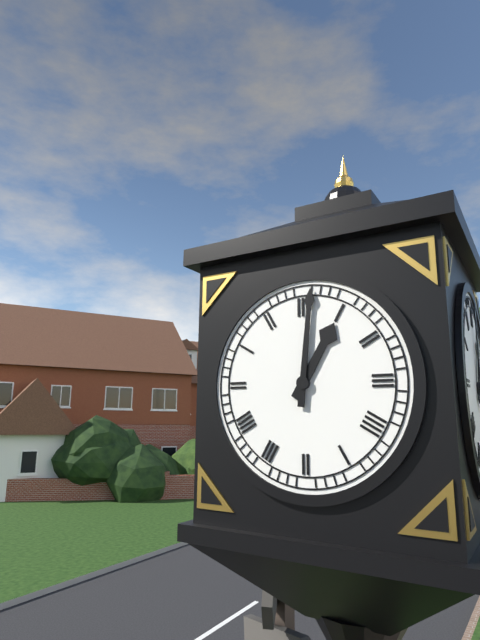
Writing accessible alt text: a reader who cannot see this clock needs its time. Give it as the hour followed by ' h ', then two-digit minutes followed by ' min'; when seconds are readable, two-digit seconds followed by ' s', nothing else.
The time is 1 h 01 min
